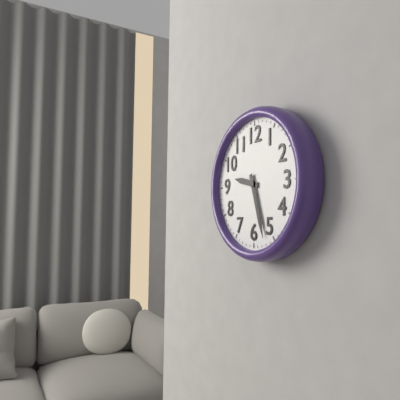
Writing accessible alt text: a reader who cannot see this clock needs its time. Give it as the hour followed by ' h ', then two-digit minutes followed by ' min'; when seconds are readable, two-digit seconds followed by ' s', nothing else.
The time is 9 h 27 min
